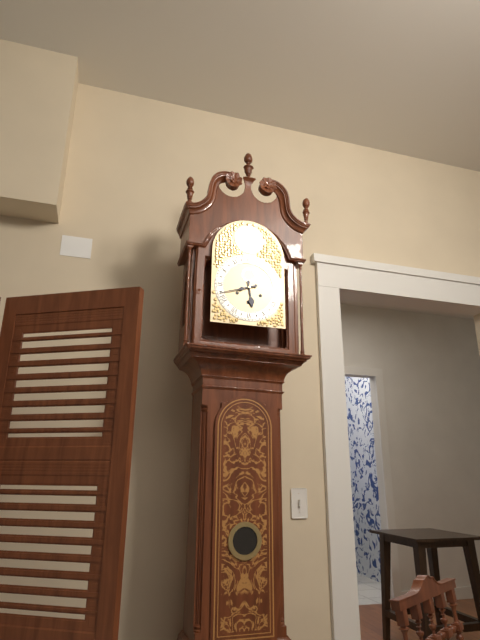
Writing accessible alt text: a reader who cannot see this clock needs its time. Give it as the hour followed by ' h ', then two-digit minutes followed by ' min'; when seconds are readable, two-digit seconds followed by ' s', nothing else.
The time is 5 h 42 min
